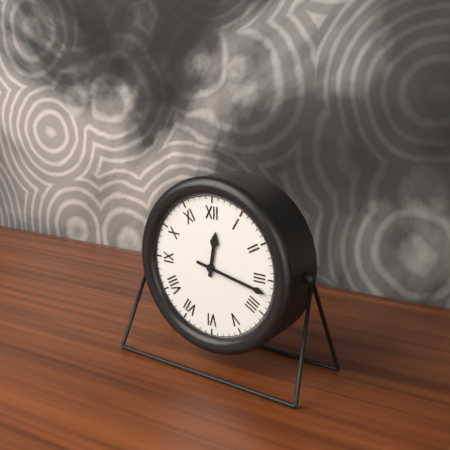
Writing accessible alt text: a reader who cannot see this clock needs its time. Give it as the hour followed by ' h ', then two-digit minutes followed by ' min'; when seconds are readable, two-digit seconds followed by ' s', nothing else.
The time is 12 h 17 min
